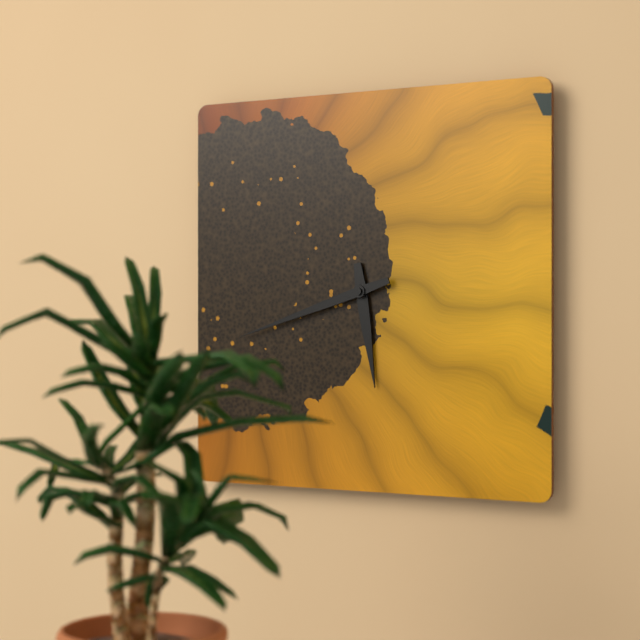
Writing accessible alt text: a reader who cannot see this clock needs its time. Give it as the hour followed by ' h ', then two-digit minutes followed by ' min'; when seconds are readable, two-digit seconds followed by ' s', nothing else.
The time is 5 h 42 min
